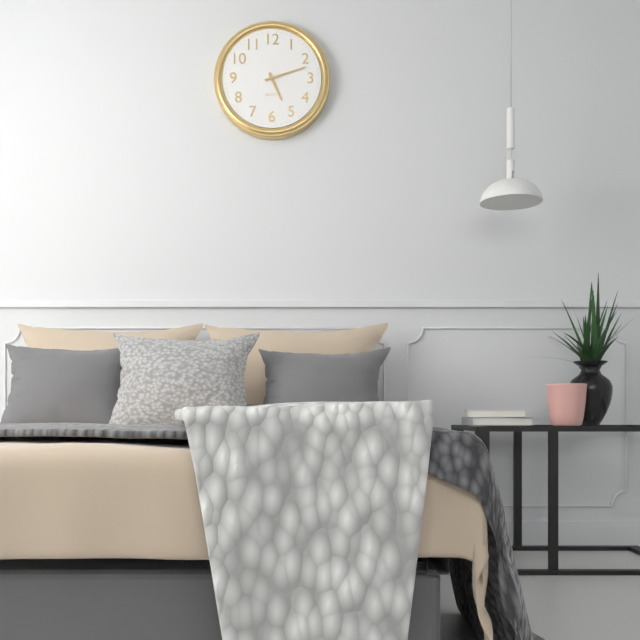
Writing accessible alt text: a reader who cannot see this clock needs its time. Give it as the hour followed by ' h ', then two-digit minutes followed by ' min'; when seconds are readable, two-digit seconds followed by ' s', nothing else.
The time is 5 h 12 min
